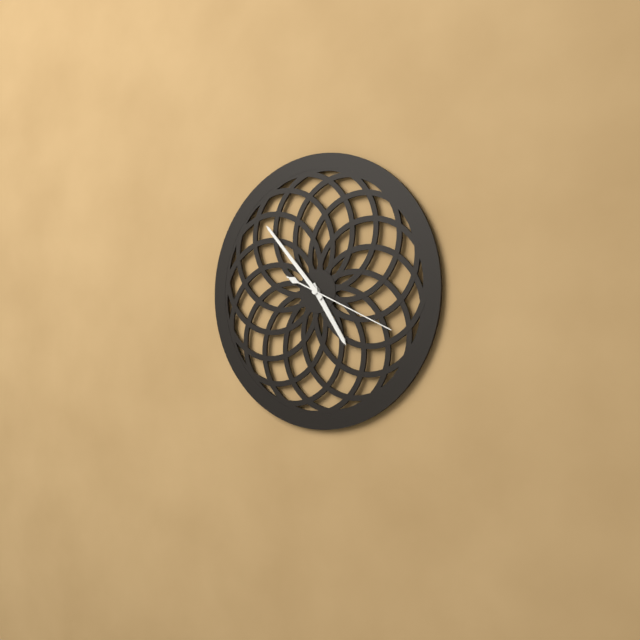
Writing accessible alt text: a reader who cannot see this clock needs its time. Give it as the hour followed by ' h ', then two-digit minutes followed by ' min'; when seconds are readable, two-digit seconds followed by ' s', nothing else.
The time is 4 h 53 min 19 s
